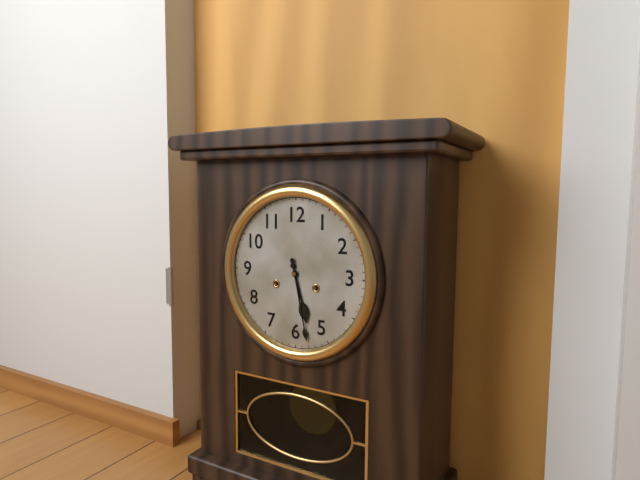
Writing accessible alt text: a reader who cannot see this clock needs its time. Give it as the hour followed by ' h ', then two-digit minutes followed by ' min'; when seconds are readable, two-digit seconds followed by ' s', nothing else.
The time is 5 h 28 min
